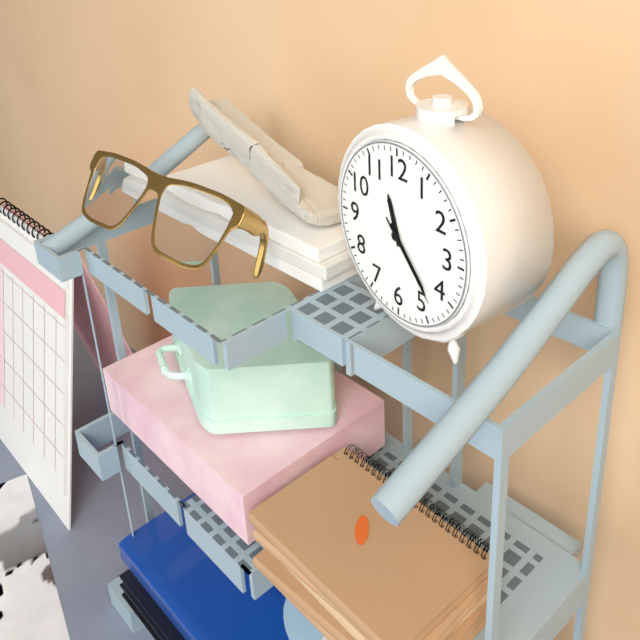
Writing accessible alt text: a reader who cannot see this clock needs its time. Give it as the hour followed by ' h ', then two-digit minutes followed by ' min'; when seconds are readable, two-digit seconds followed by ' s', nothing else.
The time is 11 h 23 min 23 s
